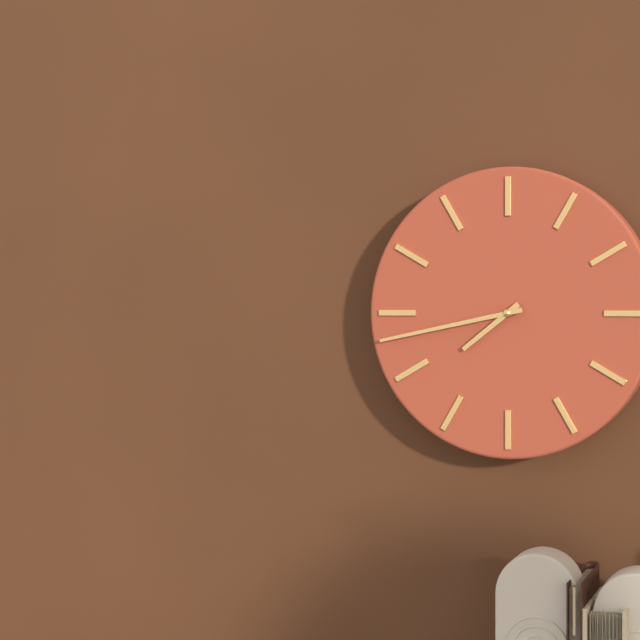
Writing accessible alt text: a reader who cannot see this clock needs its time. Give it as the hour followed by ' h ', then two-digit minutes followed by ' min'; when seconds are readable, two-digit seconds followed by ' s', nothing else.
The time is 7 h 43 min
